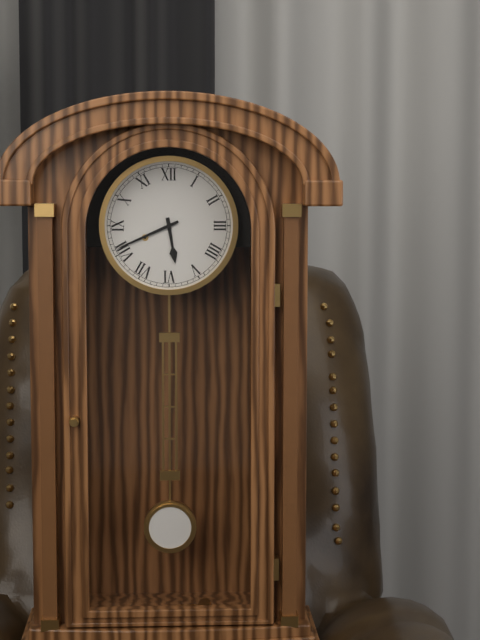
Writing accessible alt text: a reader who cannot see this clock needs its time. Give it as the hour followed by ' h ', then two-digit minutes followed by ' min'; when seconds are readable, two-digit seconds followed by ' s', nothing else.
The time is 5 h 41 min
